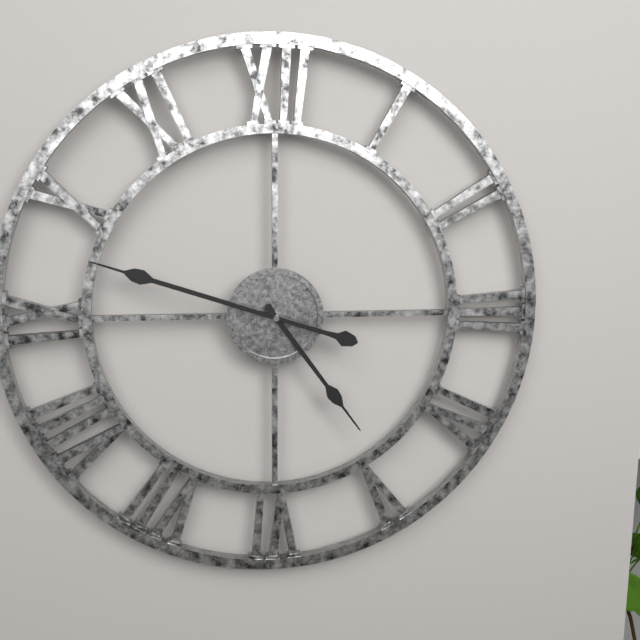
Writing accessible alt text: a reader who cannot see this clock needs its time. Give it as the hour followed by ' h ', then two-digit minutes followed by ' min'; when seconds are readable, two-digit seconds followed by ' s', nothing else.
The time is 4 h 48 min
